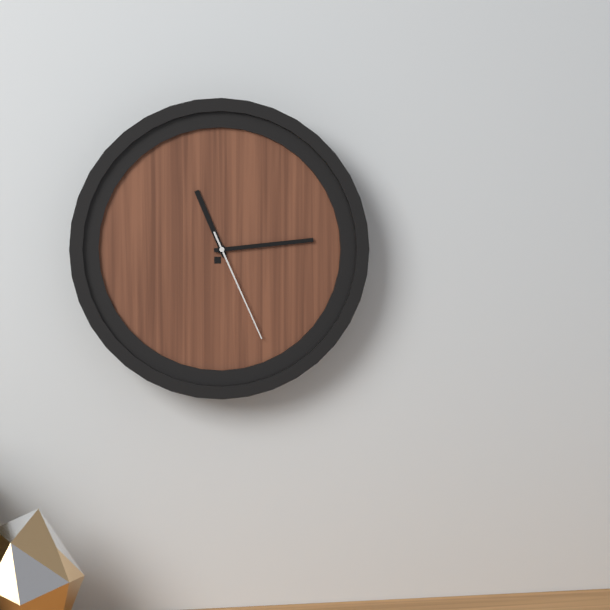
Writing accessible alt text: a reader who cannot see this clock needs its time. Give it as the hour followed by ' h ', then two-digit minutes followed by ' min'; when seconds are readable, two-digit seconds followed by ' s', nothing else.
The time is 11 h 14 min 26 s
